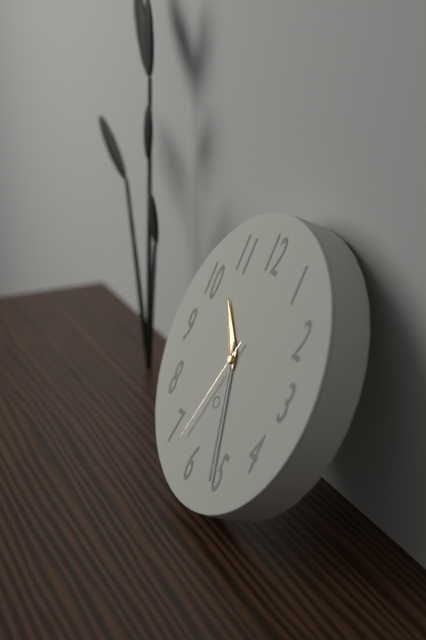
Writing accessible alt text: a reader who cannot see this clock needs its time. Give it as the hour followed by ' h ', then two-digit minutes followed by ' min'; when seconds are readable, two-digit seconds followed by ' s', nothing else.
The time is 10 h 26 min 33 s
